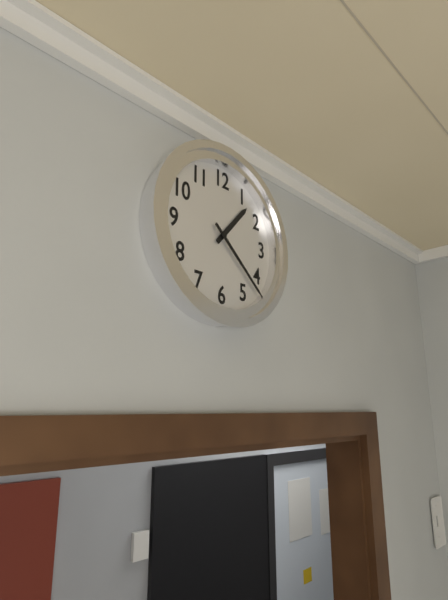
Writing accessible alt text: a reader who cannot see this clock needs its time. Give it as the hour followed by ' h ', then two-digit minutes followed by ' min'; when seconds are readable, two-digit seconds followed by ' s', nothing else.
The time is 1 h 22 min
